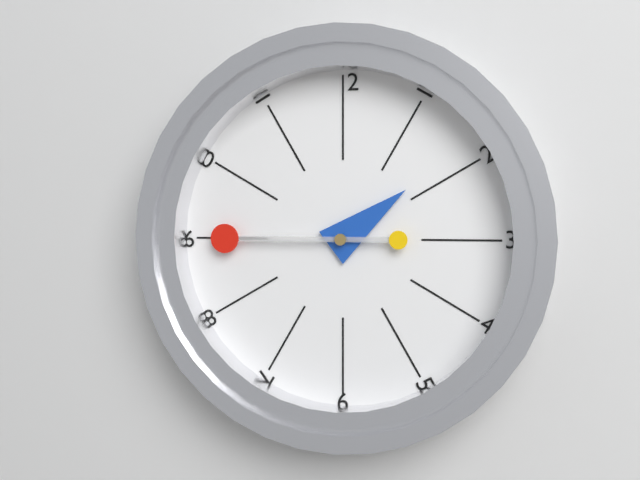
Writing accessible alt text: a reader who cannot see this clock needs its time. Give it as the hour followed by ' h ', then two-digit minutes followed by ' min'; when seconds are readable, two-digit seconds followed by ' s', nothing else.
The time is 1 h 45 min
